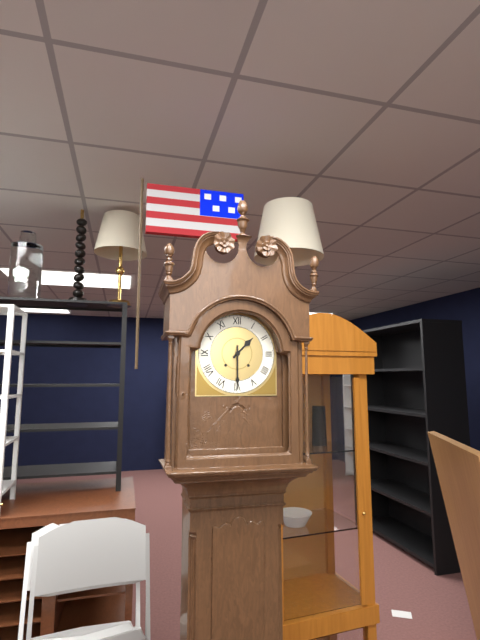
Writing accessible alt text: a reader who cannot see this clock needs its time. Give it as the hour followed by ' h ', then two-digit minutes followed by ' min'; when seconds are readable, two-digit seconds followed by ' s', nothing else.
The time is 1 h 30 min
